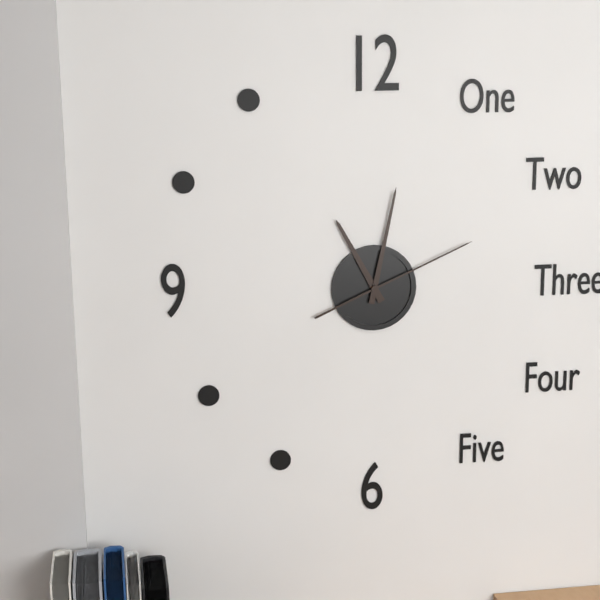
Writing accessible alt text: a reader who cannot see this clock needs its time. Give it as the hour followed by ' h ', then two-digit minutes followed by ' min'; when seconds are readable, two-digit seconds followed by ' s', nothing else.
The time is 11 h 02 min 11 s
